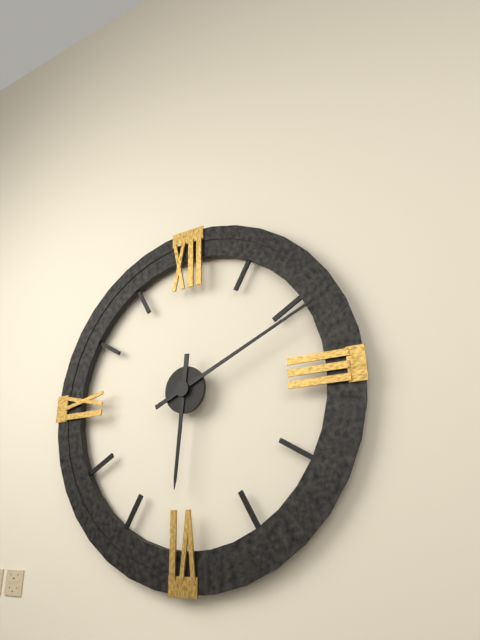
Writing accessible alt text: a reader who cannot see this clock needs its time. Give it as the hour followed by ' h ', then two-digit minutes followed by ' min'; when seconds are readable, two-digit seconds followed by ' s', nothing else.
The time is 6 h 11 min
